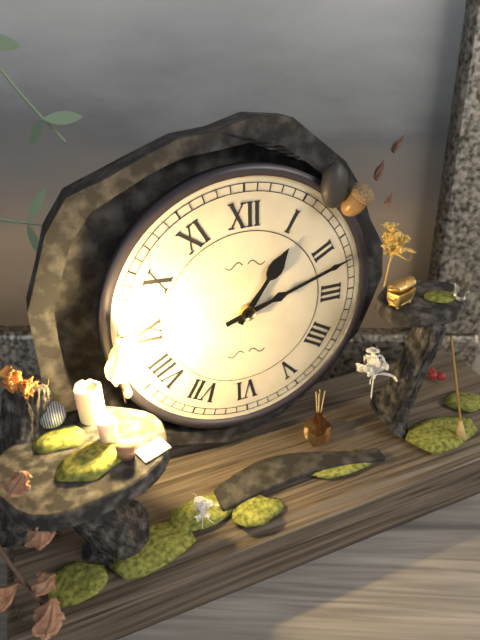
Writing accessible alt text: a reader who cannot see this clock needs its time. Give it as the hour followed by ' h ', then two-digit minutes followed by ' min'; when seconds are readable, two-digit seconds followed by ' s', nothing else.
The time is 1 h 12 min
